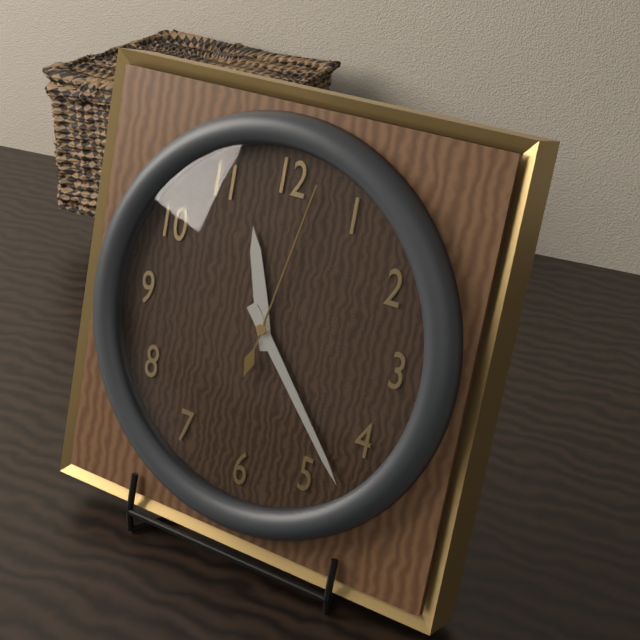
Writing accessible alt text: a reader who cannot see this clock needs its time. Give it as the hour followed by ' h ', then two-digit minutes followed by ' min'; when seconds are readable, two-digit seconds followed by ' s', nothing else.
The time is 11 h 23 min 02 s
